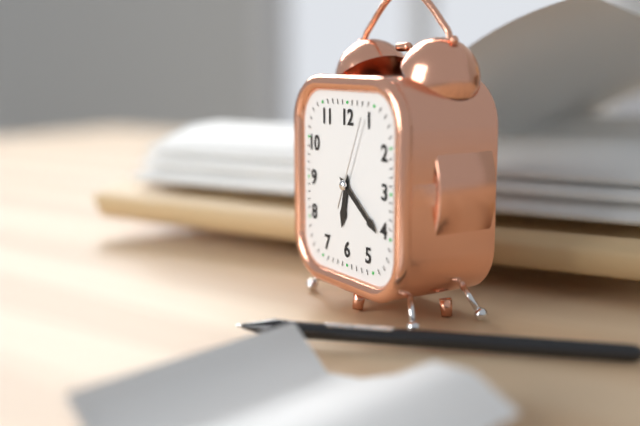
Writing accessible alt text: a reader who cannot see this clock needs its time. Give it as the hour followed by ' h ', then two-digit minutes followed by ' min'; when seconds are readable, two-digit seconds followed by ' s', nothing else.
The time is 6 h 21 min 04 s
